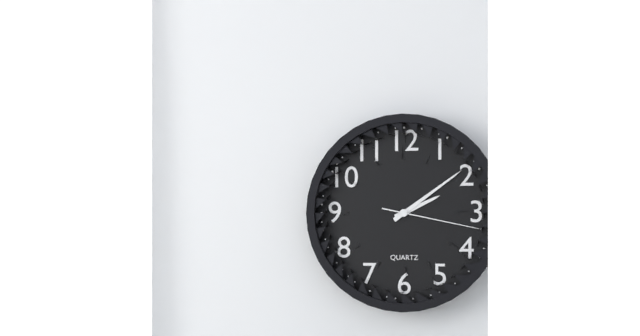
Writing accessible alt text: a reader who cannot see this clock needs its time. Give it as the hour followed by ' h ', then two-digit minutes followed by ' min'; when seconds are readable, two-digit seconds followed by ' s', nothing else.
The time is 2 h 09 min 17 s
